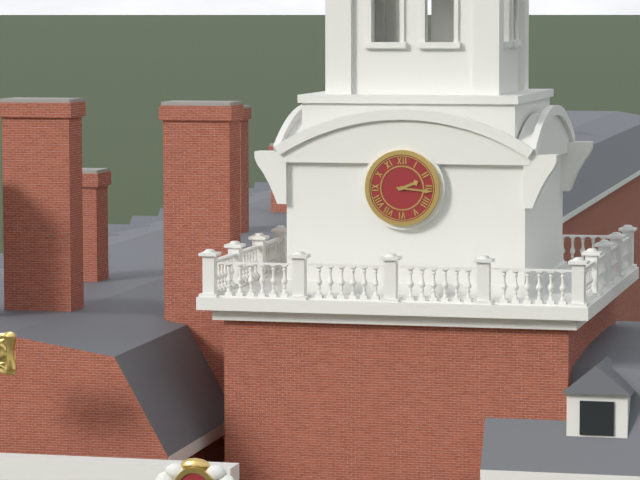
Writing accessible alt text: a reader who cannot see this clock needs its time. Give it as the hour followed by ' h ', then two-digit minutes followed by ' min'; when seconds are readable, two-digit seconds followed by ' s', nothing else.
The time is 2 h 16 min
